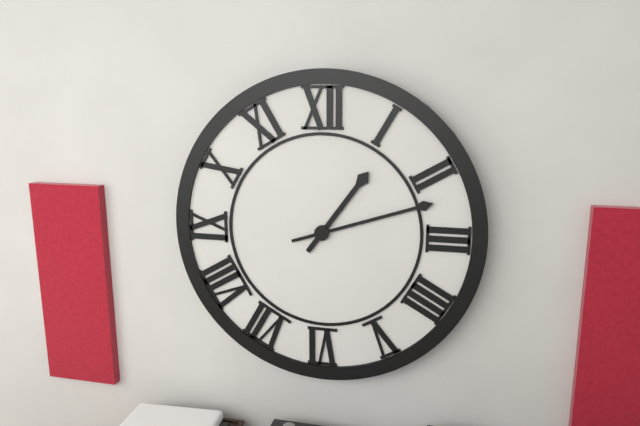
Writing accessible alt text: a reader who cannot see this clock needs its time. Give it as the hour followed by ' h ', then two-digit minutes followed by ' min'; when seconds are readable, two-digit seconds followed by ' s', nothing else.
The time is 1 h 12 min
